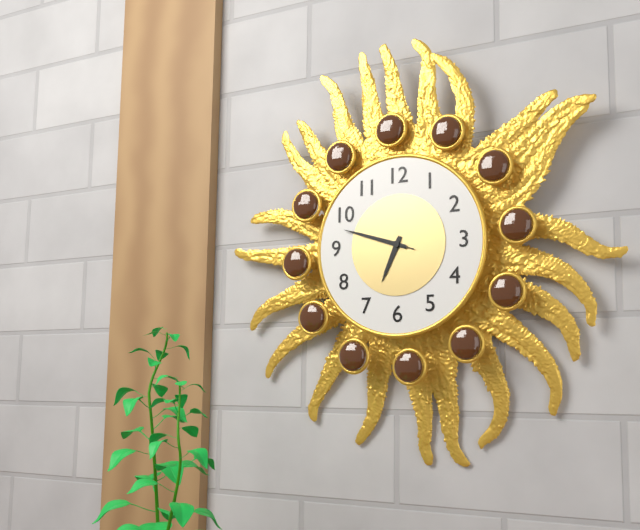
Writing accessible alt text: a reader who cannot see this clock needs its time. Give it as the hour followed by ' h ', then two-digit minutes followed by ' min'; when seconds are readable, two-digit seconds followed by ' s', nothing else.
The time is 6 h 48 min 48 s
